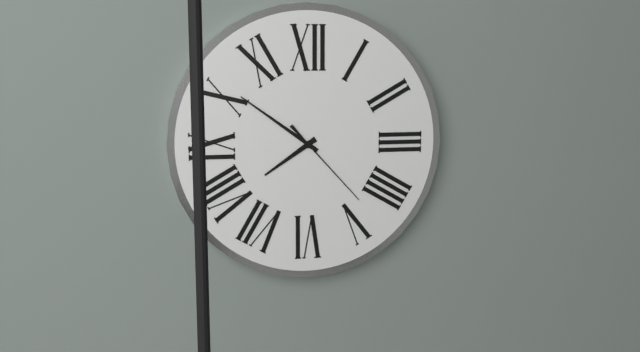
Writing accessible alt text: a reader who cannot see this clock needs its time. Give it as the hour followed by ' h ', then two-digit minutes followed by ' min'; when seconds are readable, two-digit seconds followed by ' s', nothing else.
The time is 7 h 51 min 23 s
